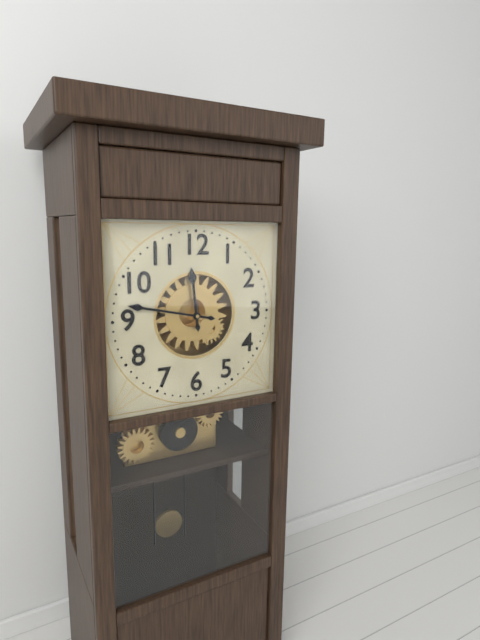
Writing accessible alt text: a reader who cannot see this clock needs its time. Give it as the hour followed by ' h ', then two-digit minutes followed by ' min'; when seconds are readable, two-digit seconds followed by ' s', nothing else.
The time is 11 h 47 min
